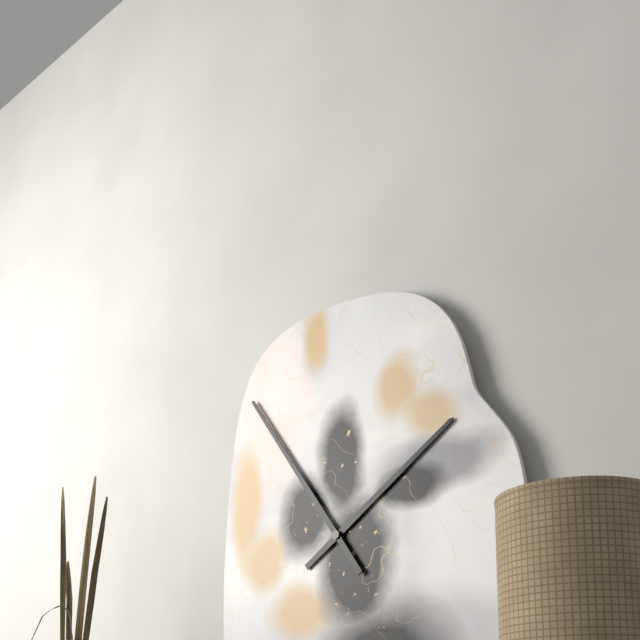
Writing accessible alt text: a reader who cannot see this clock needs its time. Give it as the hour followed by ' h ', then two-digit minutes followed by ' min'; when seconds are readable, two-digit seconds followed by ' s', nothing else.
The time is 1 h 54 min
